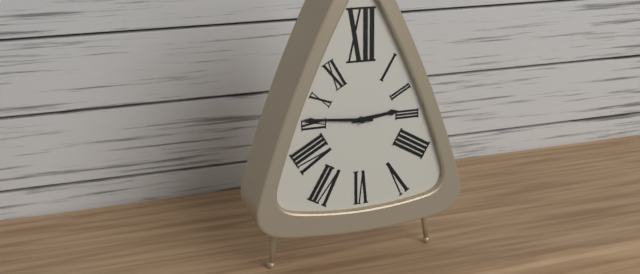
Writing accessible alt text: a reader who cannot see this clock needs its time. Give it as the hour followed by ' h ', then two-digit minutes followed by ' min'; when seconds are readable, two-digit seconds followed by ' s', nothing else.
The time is 2 h 46 min
